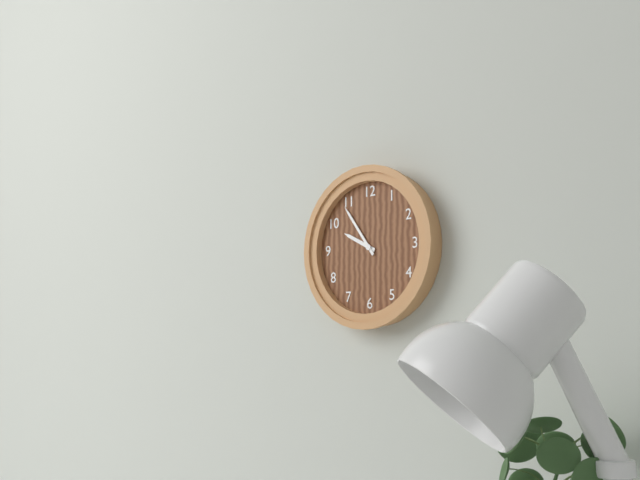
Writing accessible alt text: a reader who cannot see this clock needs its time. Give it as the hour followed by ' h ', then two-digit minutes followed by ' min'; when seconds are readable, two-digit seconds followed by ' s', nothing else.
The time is 9 h 54 min
